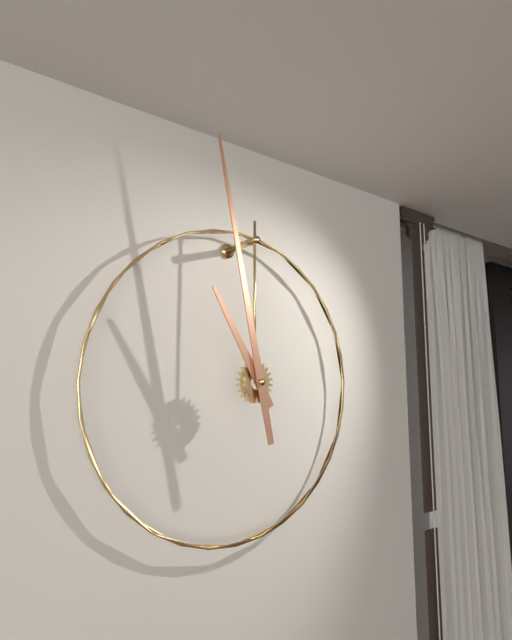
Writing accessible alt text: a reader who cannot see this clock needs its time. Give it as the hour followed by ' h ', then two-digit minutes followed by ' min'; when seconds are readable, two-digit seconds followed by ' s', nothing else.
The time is 10 h 58 min
